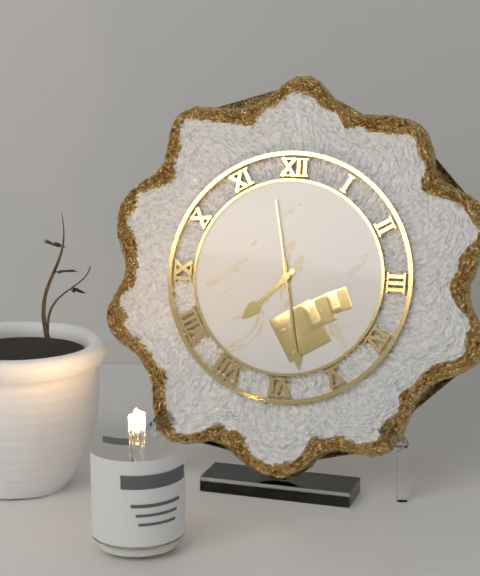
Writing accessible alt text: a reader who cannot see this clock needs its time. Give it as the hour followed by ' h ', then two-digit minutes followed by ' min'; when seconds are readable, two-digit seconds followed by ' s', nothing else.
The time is 7 h 28 min 58 s
